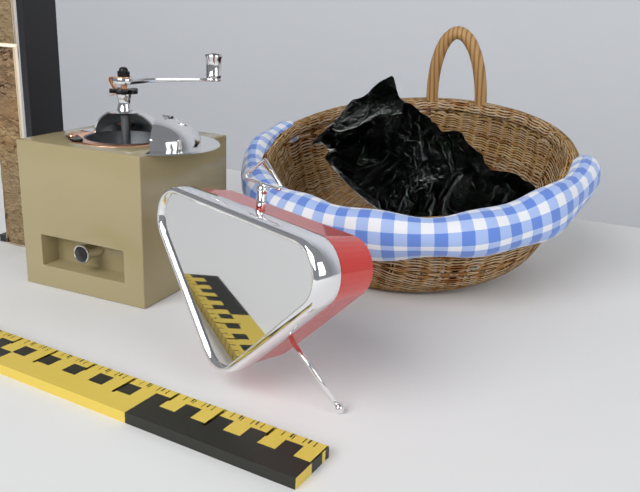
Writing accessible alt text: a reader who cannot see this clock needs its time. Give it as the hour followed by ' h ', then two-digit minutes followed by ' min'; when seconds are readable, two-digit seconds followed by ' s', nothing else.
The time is 10 h 50 min 29 s
